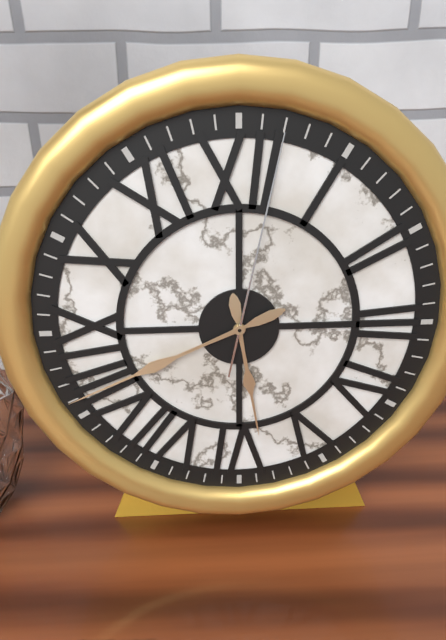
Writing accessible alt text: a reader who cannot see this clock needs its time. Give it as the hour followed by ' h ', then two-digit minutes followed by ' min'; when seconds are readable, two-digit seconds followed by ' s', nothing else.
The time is 5 h 41 min 02 s
